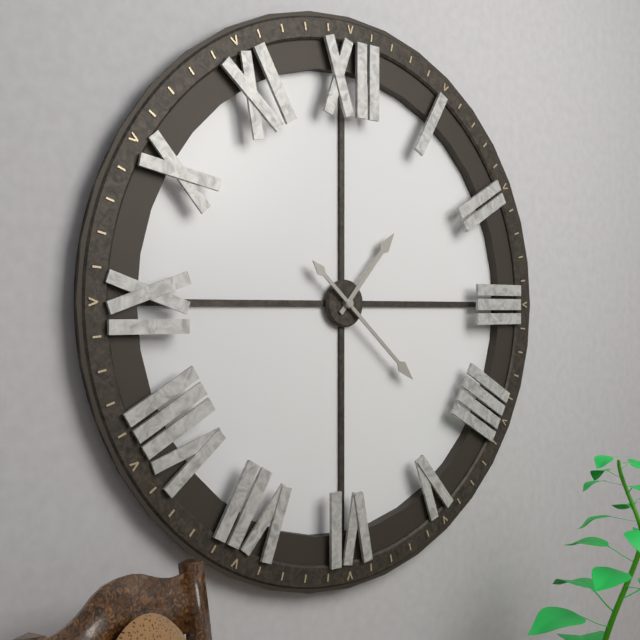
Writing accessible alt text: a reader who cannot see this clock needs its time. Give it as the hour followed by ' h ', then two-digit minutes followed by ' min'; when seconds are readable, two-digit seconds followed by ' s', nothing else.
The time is 1 h 22 min
